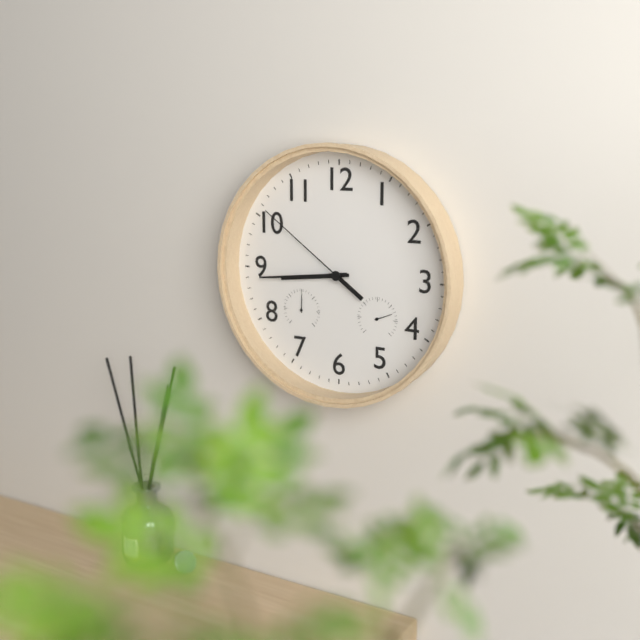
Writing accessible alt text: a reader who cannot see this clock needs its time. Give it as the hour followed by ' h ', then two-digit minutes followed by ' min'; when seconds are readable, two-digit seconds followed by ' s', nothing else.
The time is 8 h 44 min 51 s
